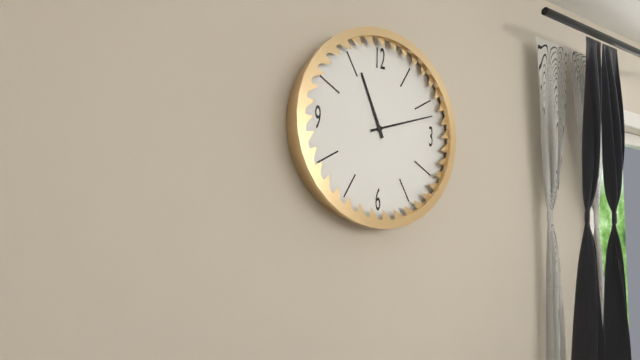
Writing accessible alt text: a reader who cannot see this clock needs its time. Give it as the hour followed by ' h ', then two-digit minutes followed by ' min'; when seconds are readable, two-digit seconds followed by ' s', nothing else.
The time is 11 h 12 min
